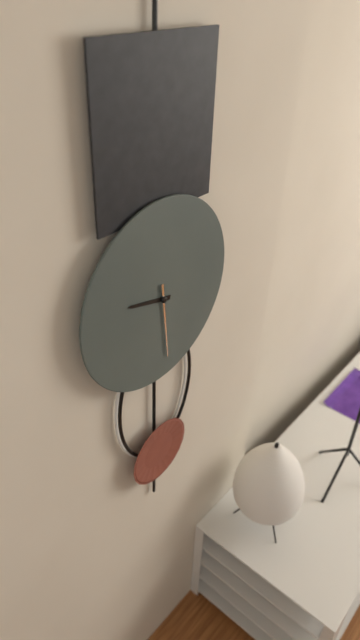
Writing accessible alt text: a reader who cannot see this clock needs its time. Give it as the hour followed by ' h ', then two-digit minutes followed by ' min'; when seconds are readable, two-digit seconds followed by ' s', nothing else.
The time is 9 h 29 min
